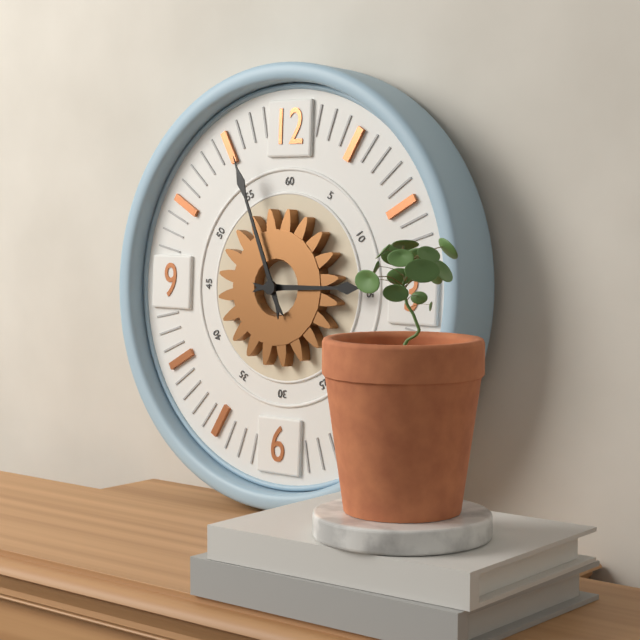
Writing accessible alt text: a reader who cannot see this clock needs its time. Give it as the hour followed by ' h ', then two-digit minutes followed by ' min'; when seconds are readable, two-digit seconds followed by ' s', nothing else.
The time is 2 h 56 min
